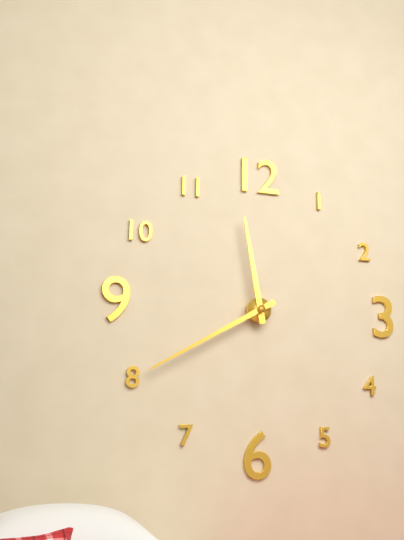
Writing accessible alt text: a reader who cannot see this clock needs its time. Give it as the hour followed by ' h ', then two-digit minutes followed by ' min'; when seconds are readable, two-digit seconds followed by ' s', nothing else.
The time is 11 h 40 min
